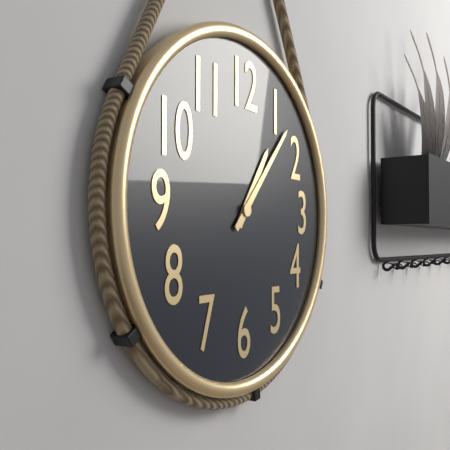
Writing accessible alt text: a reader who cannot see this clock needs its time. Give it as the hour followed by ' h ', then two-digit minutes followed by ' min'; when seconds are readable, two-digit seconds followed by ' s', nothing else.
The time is 1 h 07 min
